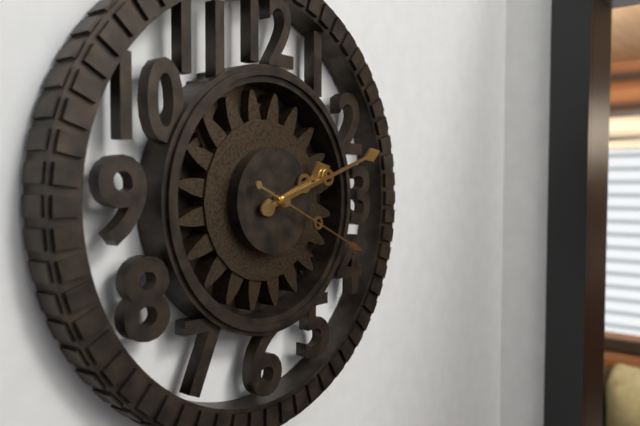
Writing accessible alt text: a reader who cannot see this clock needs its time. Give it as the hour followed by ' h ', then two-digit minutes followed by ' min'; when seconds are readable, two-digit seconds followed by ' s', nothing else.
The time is 2 h 12 min 19 s
